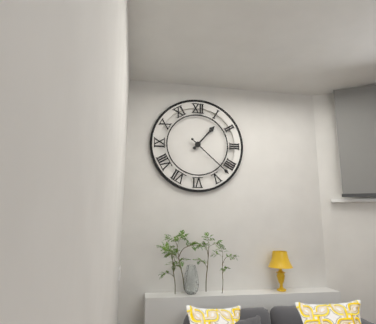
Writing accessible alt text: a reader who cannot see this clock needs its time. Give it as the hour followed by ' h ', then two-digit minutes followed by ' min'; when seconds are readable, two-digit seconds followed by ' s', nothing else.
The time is 1 h 22 min
